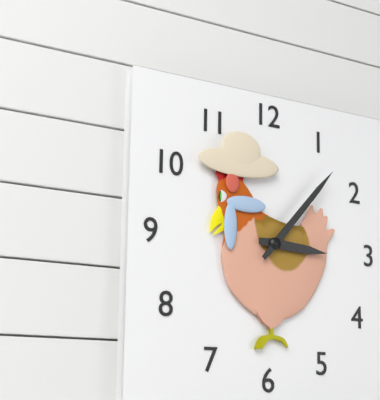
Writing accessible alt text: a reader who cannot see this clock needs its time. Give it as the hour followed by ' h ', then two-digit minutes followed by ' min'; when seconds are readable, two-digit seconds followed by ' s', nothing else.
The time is 3 h 07 min
